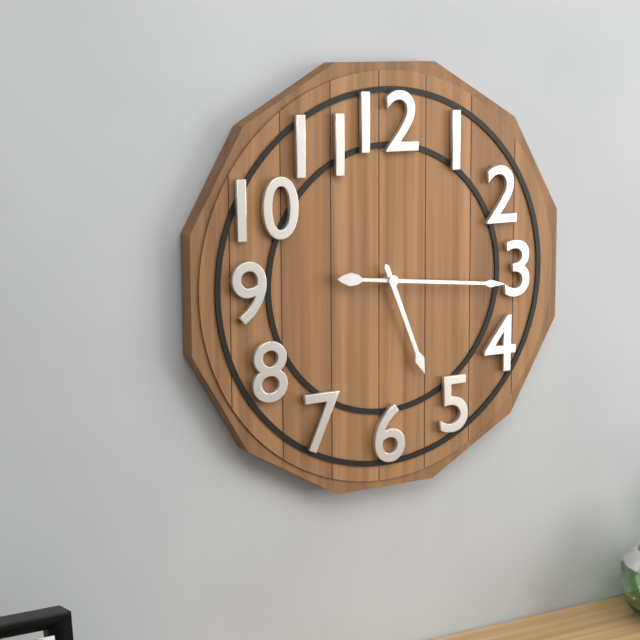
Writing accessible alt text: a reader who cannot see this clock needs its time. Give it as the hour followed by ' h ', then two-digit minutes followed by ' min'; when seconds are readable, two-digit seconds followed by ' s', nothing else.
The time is 5 h 16 min
